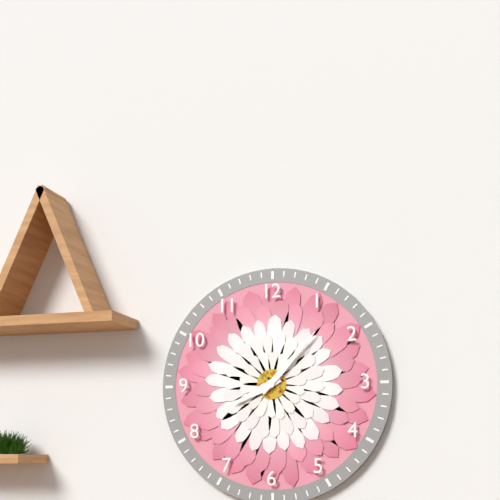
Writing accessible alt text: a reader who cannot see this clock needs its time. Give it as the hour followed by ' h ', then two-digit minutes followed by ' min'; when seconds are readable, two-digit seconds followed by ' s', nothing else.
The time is 8 h 07 min
